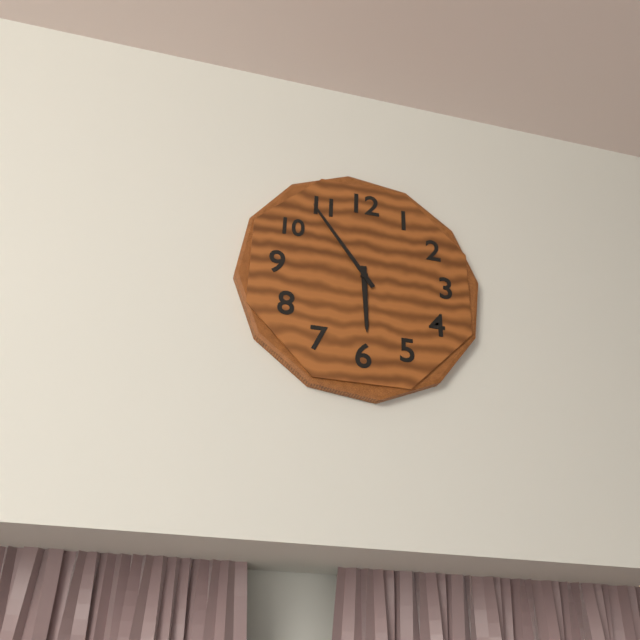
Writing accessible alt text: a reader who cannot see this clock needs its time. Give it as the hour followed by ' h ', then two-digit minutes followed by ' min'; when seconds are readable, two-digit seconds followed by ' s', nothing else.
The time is 5 h 54 min
